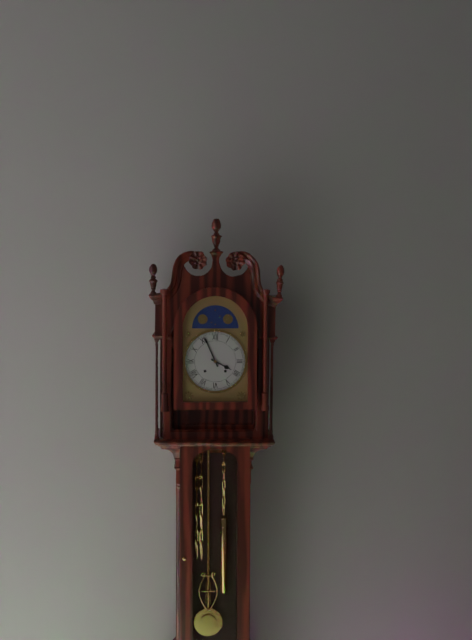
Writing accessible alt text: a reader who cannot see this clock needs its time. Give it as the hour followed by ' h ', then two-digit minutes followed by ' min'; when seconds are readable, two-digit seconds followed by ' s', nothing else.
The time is 3 h 56 min
